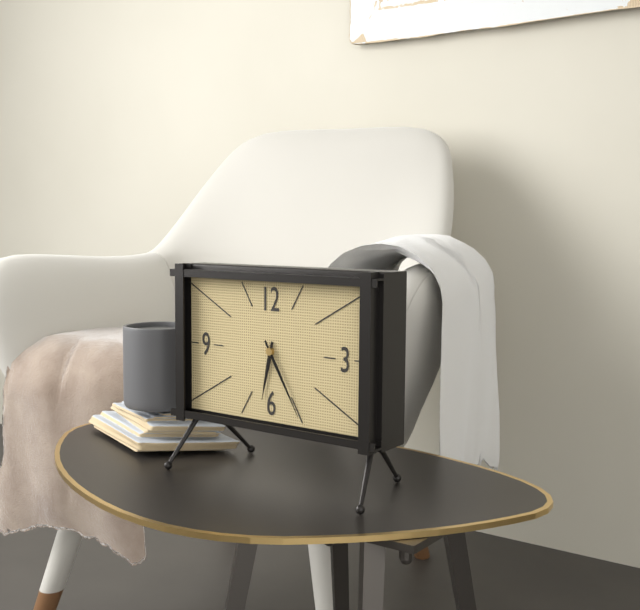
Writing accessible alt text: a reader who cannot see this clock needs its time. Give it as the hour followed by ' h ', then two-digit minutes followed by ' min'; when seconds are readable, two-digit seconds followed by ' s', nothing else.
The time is 6 h 25 min
